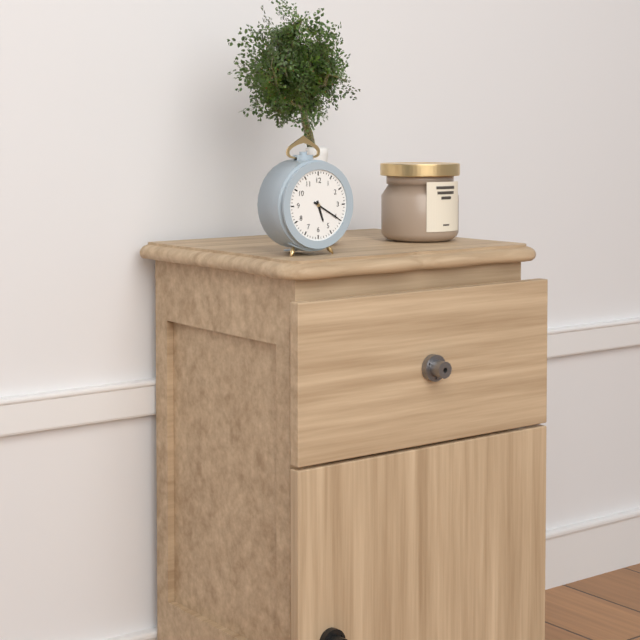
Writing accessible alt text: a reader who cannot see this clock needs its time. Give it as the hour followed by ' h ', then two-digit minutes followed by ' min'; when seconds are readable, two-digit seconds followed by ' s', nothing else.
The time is 5 h 20 min
